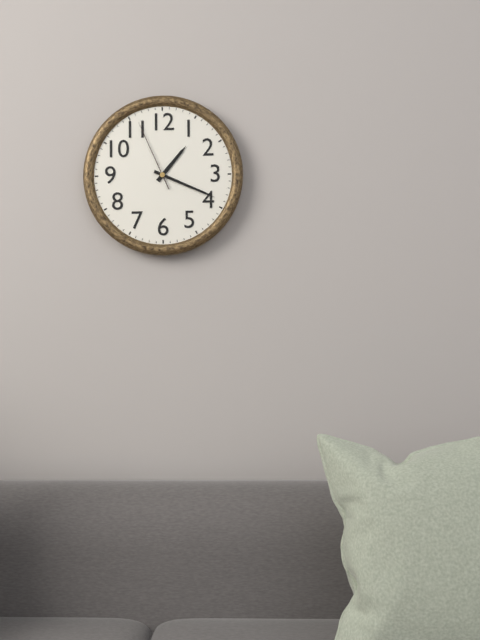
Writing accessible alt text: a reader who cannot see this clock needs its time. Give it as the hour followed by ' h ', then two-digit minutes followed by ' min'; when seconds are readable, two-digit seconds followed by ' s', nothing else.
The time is 1 h 19 min 56 s
